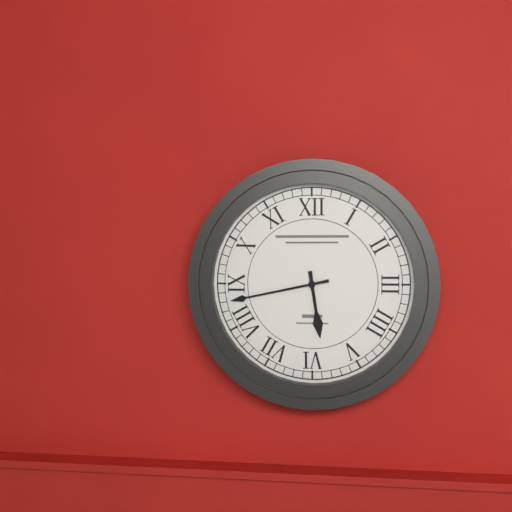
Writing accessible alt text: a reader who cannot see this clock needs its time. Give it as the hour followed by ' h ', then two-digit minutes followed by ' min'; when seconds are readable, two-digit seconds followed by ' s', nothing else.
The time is 5 h 43 min
